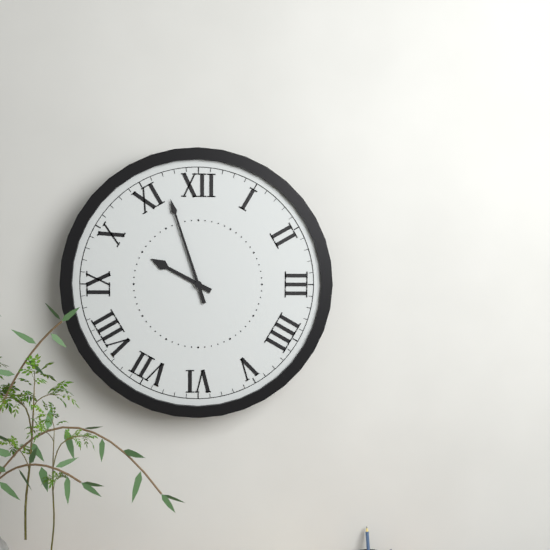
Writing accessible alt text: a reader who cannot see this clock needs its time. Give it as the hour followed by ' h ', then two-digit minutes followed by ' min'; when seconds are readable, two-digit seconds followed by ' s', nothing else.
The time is 9 h 57 min
